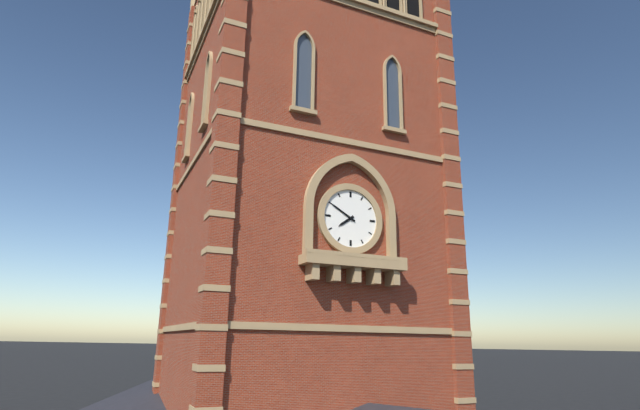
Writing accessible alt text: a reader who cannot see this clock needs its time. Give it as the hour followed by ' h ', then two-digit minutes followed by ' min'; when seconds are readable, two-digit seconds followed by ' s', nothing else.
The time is 7 h 50 min
